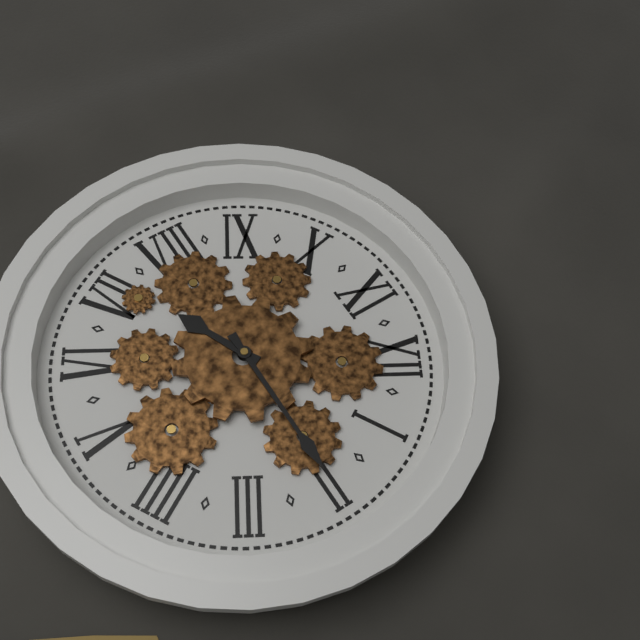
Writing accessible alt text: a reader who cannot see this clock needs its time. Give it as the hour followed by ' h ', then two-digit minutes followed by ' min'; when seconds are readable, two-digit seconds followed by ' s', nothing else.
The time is 7 h 10 min
